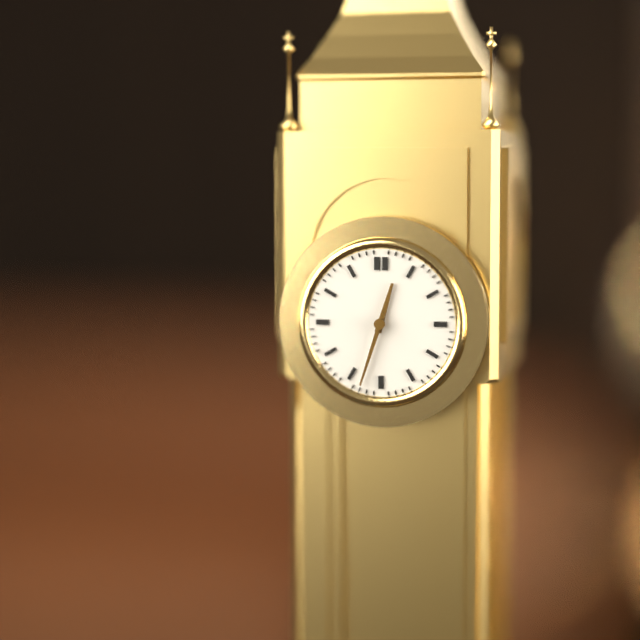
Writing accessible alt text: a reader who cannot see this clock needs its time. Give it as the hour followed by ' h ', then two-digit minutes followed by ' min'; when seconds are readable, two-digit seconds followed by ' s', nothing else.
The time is 12 h 33 min
